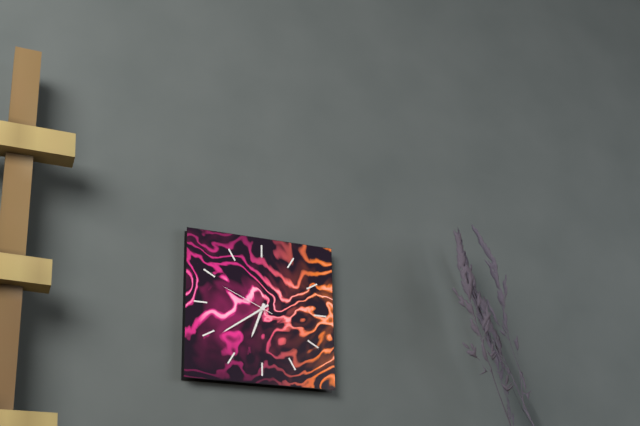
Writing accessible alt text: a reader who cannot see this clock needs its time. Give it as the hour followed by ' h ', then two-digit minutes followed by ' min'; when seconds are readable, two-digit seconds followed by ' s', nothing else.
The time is 6 h 39 min 49 s
